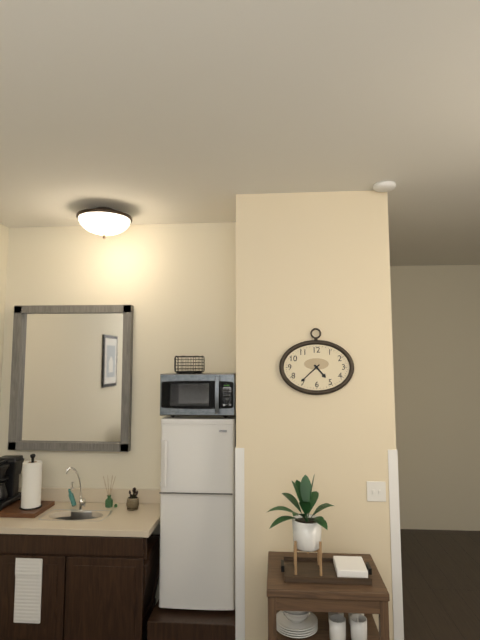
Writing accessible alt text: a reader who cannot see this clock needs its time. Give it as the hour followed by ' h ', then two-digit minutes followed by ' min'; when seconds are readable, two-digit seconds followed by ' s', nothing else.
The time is 4 h 38 min
